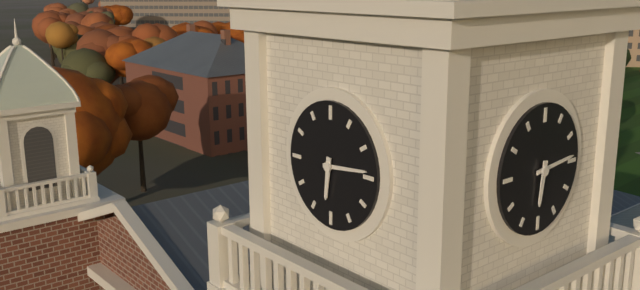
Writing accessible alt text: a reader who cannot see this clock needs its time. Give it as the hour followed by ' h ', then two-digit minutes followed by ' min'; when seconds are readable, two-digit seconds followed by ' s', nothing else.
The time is 6 h 14 min
